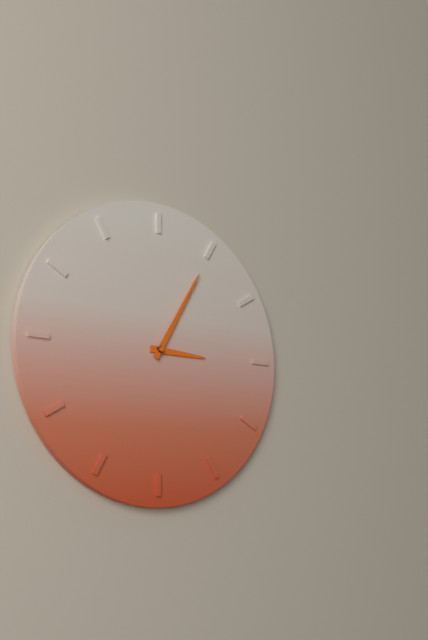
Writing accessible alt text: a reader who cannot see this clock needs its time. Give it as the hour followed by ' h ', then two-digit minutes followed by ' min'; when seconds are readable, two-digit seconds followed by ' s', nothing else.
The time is 3 h 05 min
